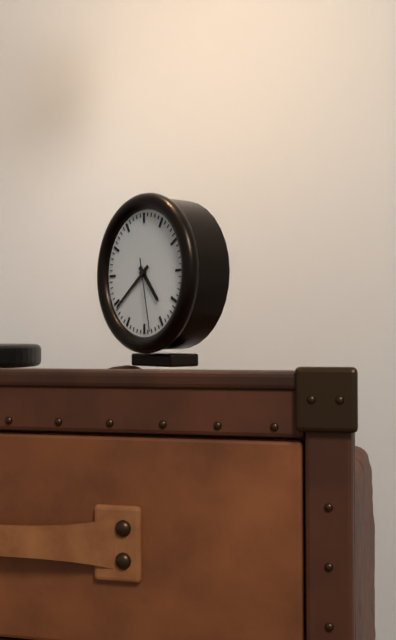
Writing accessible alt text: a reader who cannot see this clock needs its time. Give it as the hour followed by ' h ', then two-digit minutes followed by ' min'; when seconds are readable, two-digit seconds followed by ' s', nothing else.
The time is 4 h 39 min 28 s
